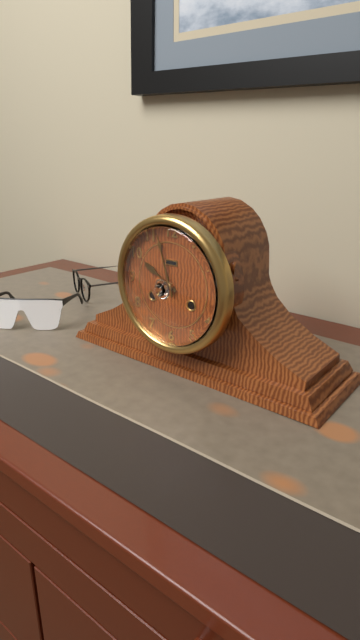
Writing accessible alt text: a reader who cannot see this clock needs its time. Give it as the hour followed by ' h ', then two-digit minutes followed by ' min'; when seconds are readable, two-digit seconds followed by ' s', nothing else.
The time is 9 h 57 min
